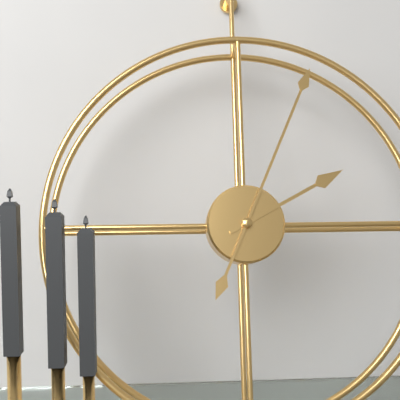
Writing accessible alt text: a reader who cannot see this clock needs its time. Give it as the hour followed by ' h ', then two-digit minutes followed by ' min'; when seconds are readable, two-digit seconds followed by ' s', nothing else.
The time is 2 h 04 min
